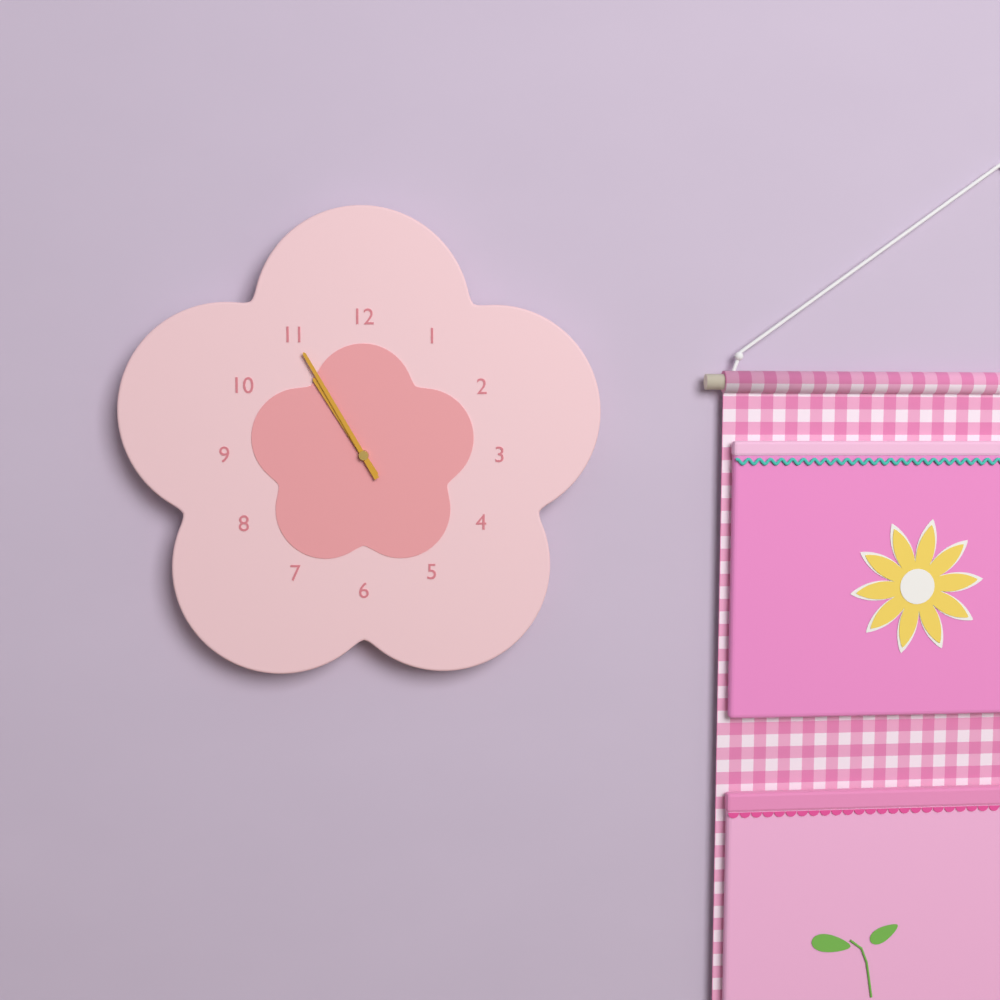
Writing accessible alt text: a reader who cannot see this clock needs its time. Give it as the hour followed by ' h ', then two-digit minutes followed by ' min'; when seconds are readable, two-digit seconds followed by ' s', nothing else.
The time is 10 h 55 min
